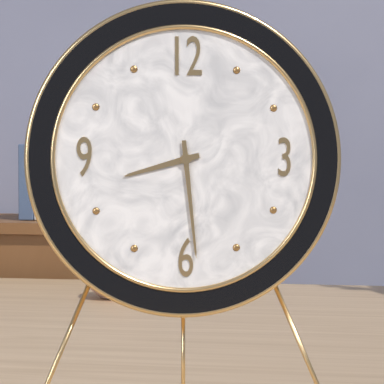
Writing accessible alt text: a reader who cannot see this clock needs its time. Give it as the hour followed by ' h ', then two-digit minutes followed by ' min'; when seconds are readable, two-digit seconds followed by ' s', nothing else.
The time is 8 h 29 min
